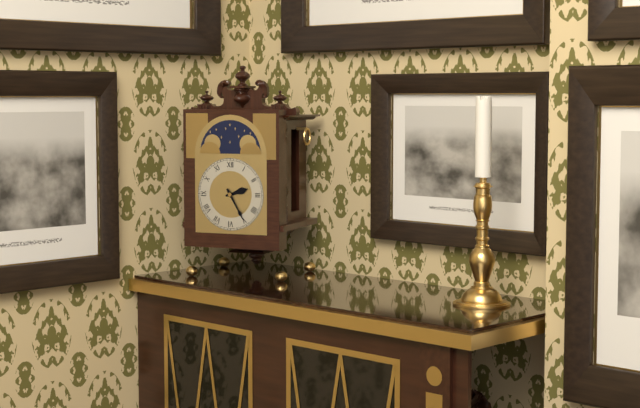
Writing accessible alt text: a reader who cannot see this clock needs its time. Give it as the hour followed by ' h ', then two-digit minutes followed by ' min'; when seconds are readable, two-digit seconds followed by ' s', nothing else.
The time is 2 h 25 min
